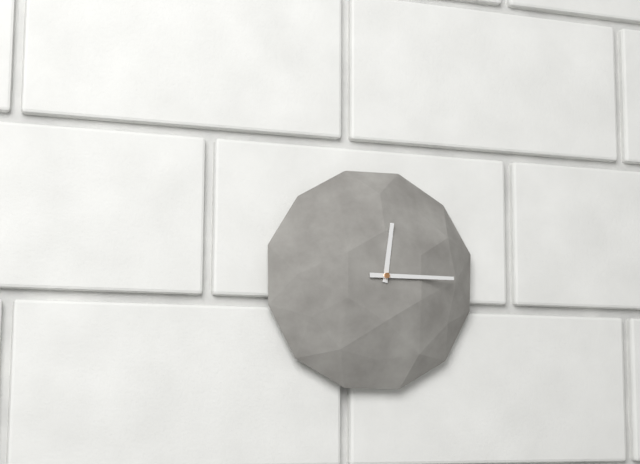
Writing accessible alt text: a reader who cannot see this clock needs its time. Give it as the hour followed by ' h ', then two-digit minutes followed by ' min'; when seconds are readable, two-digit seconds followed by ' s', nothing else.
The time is 12 h 15 min
